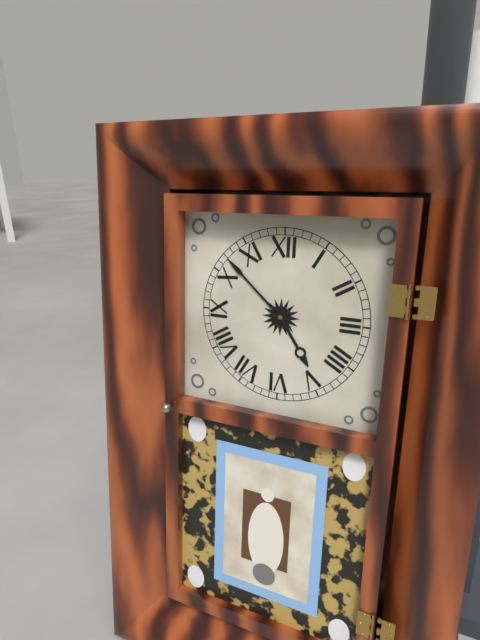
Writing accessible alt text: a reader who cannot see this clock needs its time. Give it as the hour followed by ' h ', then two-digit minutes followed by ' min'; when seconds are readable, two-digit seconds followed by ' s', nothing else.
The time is 4 h 52 min
